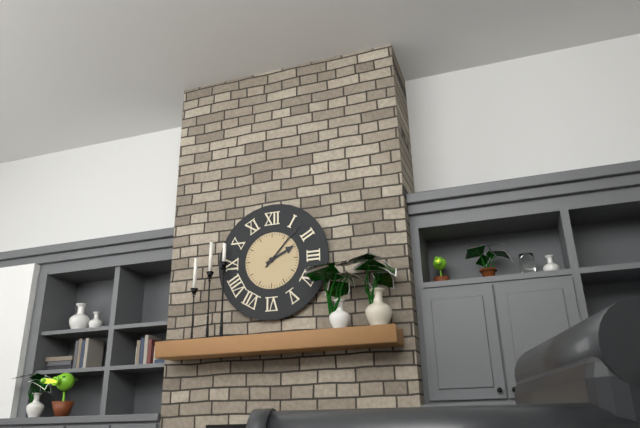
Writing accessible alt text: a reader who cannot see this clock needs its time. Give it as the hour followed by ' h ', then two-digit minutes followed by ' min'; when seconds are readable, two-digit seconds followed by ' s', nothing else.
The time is 2 h 07 min
